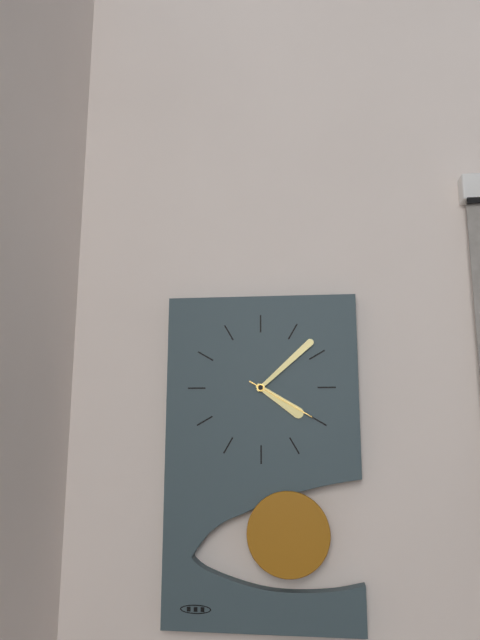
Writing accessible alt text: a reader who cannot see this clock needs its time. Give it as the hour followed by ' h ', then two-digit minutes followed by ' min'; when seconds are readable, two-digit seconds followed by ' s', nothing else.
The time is 4 h 08 min 20 s
